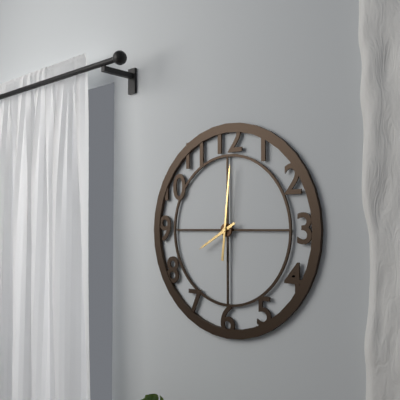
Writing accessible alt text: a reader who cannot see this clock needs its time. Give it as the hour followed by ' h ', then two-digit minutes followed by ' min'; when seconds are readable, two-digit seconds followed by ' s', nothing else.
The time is 8 h 01 min
